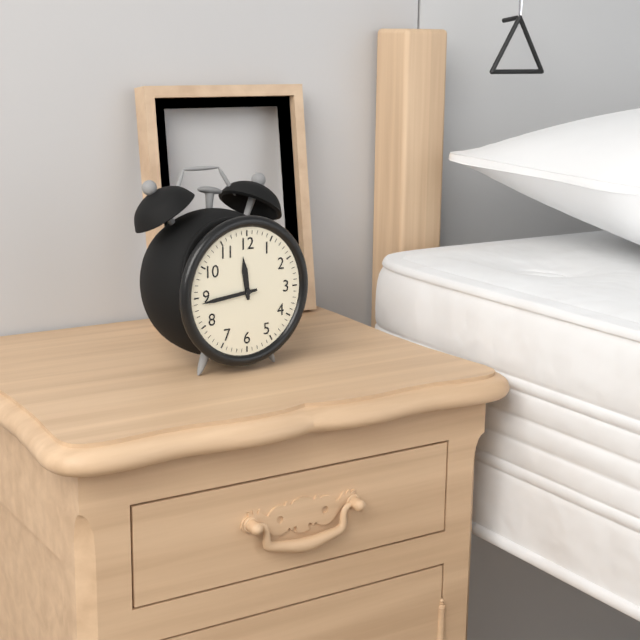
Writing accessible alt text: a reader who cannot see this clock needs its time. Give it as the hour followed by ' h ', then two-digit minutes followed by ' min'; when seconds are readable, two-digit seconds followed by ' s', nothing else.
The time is 11 h 44 min
